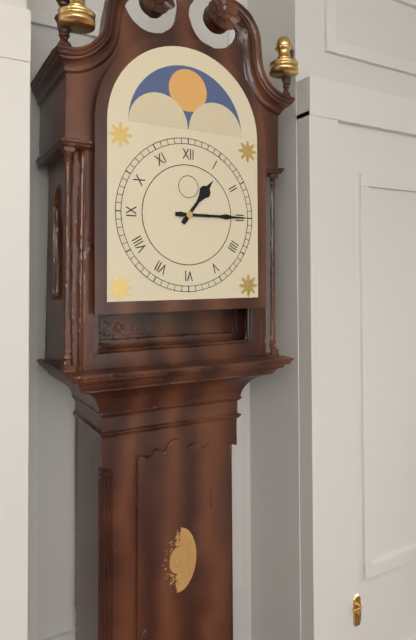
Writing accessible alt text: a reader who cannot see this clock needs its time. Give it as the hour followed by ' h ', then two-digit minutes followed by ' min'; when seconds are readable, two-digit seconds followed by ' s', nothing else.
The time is 1 h 15 min
